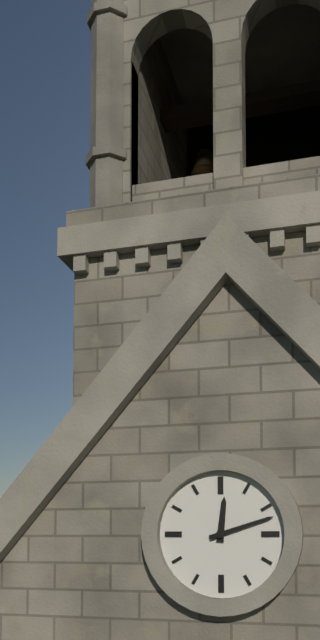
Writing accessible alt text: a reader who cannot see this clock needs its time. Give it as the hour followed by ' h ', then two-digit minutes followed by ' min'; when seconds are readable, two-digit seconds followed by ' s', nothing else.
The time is 12 h 12 min
